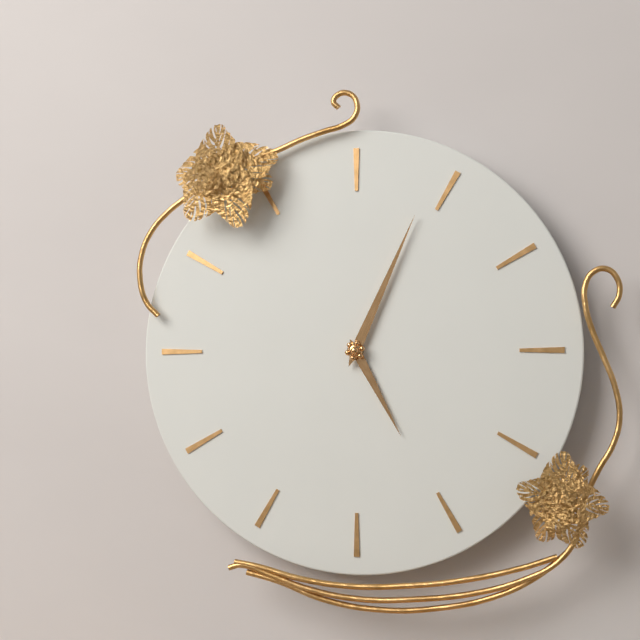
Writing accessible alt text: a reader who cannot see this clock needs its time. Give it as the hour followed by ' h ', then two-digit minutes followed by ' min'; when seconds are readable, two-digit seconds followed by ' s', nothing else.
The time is 5 h 04 min
